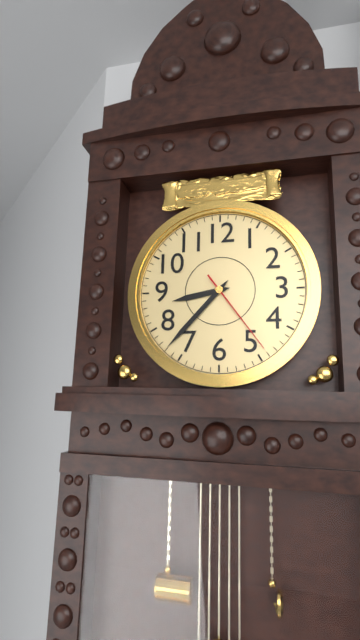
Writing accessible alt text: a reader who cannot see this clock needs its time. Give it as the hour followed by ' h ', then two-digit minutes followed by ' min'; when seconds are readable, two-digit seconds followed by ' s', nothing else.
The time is 8 h 37 min 24 s
